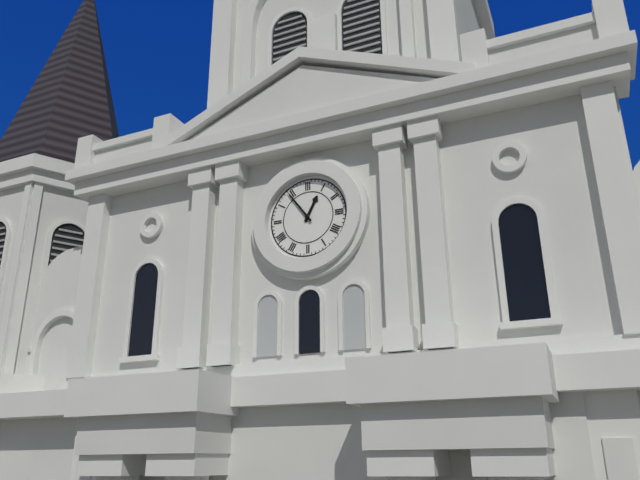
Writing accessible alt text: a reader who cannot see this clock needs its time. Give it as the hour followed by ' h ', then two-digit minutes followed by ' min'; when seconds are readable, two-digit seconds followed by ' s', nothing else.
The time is 12 h 54 min
